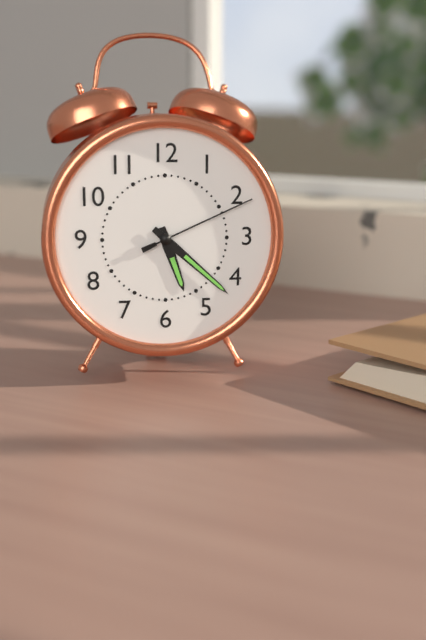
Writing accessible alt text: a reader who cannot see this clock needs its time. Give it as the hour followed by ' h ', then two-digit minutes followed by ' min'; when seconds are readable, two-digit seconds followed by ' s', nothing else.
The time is 5 h 22 min 11 s
